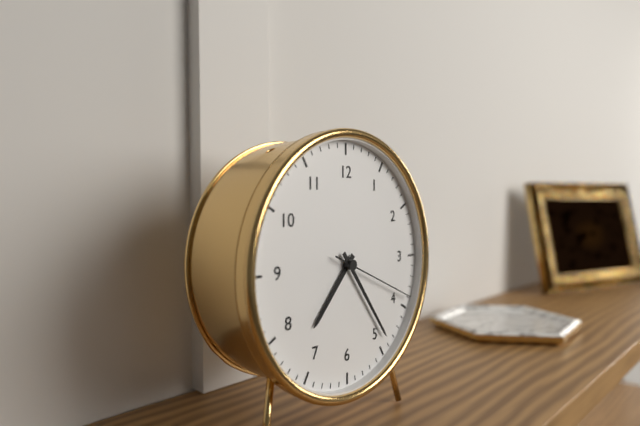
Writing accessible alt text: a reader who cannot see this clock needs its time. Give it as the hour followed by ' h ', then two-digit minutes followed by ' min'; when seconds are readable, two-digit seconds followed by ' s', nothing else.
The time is 7 h 24 min 19 s
